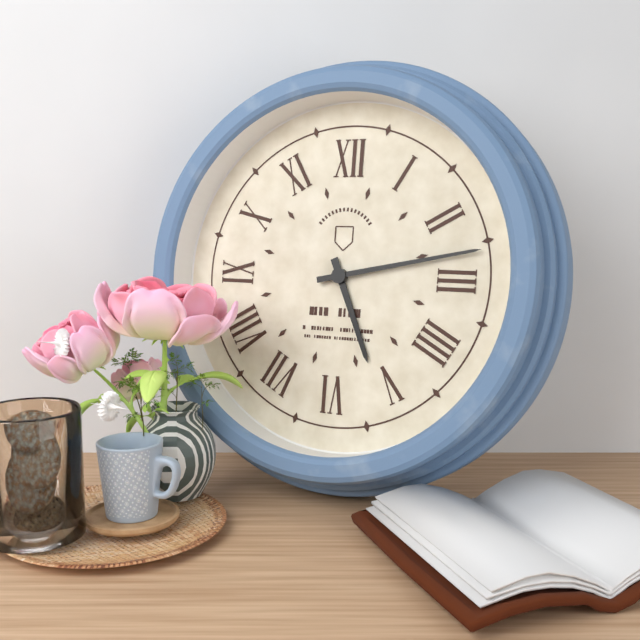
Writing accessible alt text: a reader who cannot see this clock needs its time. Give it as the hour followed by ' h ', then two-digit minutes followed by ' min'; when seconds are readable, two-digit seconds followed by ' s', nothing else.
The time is 5 h 13 min
